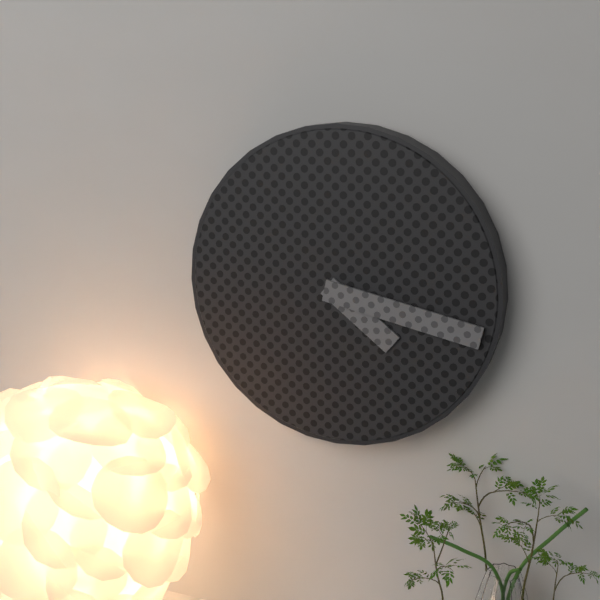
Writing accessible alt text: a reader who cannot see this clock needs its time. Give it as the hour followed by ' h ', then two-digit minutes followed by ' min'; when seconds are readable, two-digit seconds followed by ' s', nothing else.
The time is 4 h 17 min
